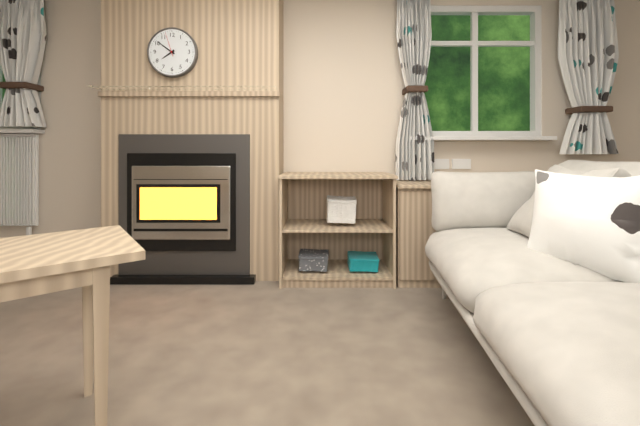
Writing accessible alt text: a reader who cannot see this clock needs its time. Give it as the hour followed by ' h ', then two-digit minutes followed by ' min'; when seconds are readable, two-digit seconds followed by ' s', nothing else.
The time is 7 h 51 min
